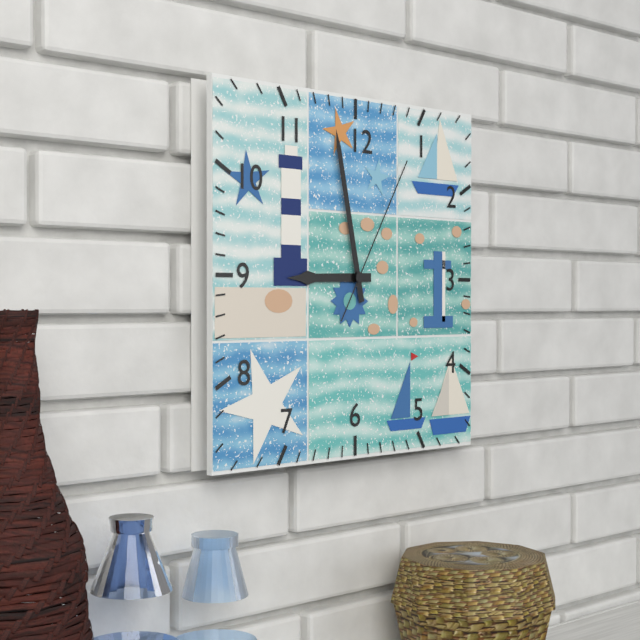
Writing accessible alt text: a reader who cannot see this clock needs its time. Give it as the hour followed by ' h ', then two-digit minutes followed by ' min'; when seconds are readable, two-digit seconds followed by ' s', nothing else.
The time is 8 h 58 min 05 s
